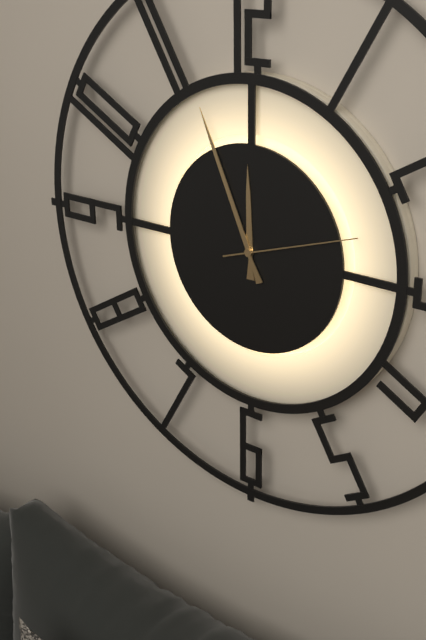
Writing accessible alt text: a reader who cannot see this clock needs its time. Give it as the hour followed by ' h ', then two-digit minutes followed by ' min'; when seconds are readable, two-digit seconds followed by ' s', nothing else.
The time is 11 h 56 min 12 s
